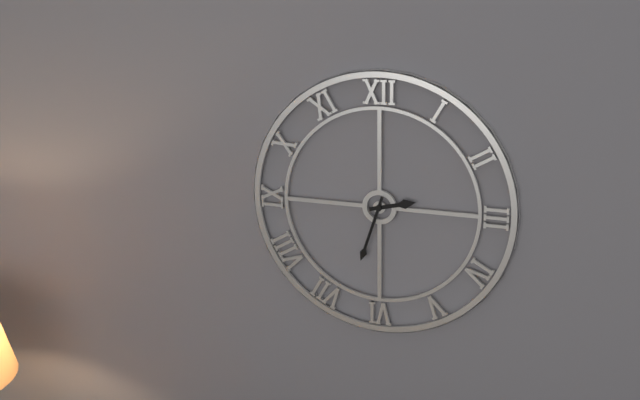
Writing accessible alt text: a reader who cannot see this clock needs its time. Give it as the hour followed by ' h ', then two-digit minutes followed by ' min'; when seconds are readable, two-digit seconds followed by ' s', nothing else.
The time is 2 h 33 min
